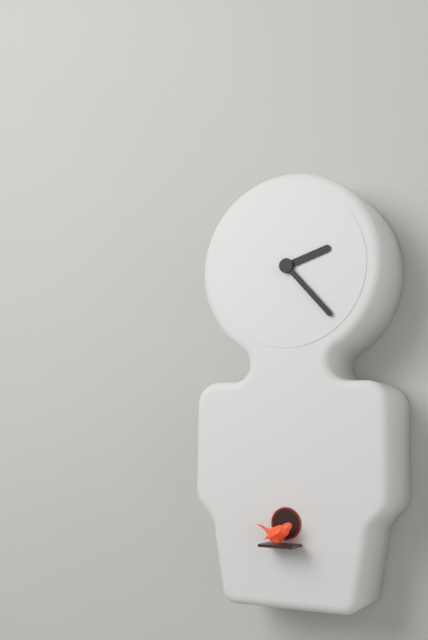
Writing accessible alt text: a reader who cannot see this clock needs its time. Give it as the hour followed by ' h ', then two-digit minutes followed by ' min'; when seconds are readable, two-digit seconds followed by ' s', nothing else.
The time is 2 h 23 min
